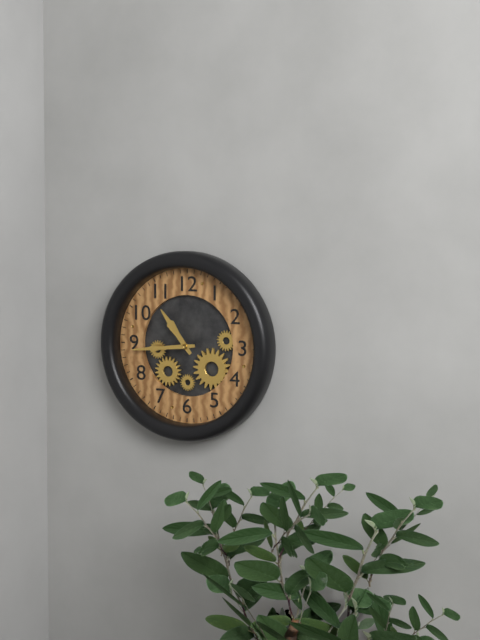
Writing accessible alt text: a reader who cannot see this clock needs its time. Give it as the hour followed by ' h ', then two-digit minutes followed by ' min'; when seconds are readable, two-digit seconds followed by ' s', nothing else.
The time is 10 h 44 min
